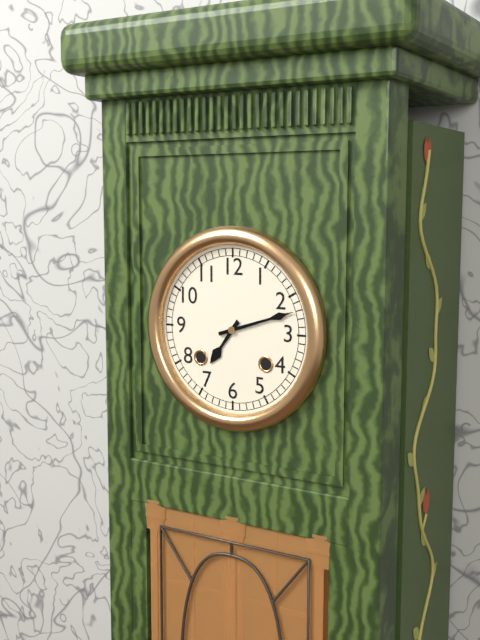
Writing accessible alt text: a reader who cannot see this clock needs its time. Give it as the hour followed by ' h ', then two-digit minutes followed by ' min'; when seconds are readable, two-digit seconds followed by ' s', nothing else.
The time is 7 h 12 min
